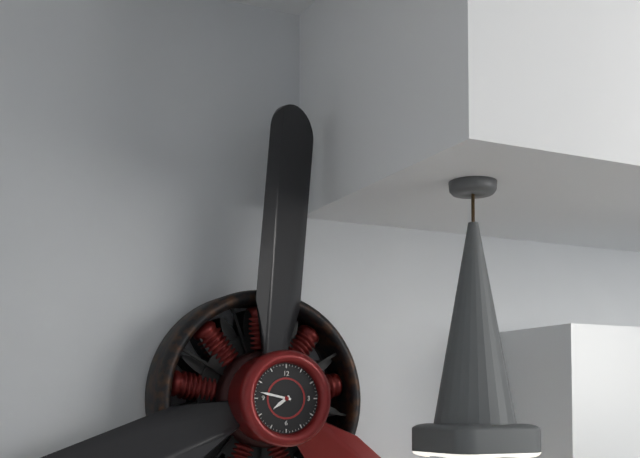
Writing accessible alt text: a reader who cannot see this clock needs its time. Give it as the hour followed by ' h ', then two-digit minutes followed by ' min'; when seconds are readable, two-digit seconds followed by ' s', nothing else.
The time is 7 h 47 min
